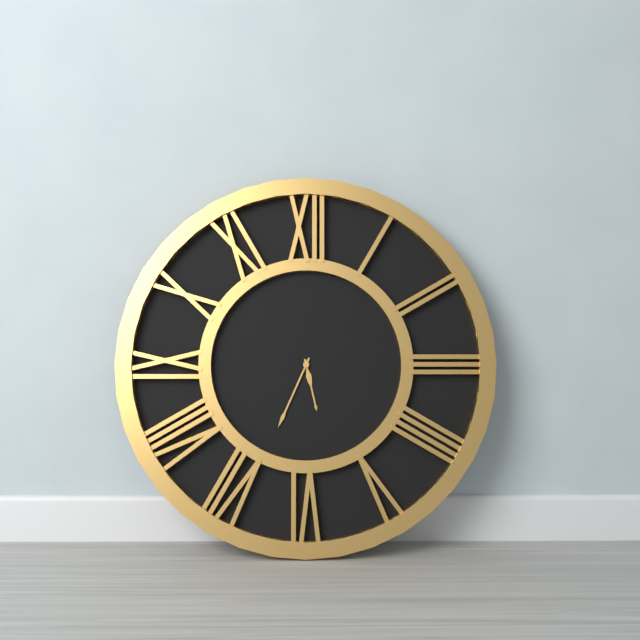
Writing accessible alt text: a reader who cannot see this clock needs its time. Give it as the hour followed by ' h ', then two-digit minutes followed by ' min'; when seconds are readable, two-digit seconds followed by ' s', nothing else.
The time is 5 h 34 min
